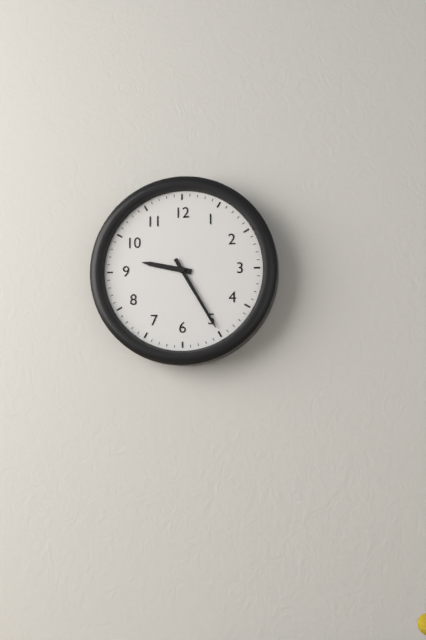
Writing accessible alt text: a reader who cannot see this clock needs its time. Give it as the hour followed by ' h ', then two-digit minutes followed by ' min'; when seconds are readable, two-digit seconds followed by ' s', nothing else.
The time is 9 h 25 min
